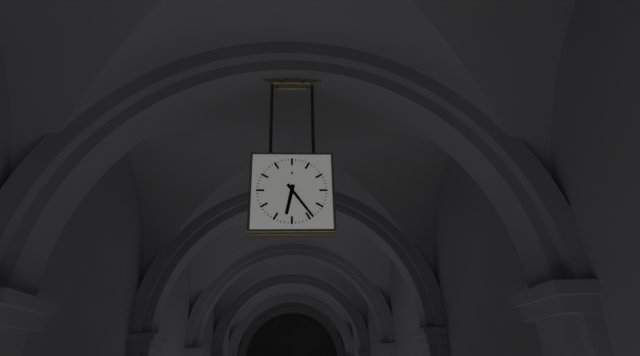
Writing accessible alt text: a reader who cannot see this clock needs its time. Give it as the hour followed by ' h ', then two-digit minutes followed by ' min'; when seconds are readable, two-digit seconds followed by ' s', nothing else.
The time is 6 h 24 min
